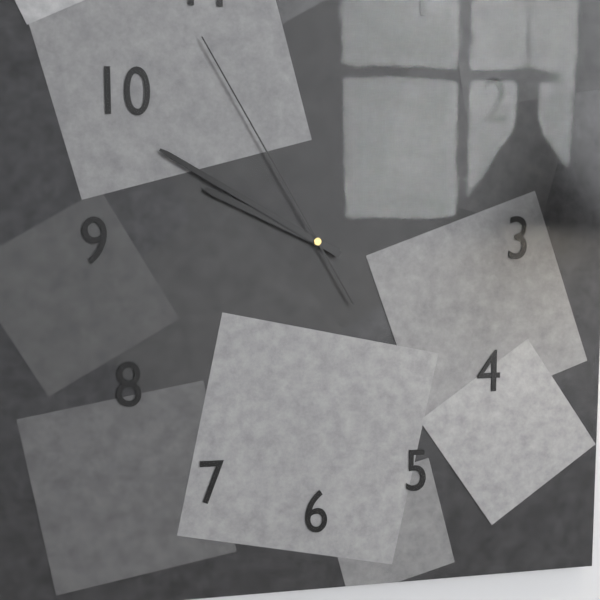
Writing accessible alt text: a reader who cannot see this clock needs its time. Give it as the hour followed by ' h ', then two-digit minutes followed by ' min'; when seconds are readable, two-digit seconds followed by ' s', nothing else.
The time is 9 h 50 min 55 s
